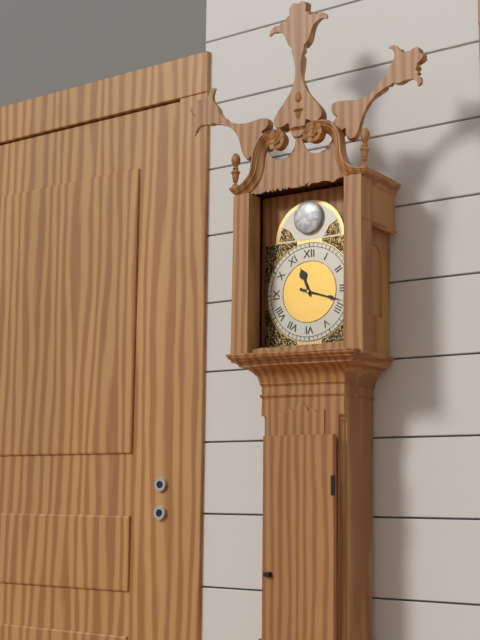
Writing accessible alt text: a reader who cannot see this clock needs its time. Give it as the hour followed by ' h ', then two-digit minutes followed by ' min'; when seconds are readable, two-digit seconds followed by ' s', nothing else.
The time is 11 h 18 min
